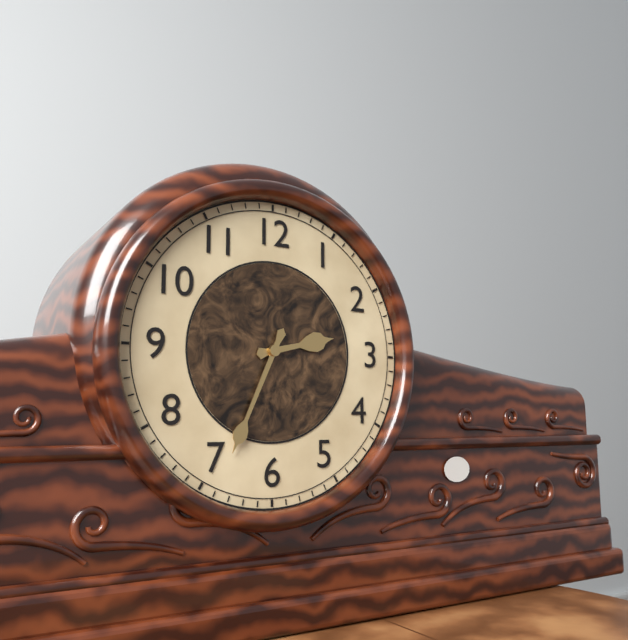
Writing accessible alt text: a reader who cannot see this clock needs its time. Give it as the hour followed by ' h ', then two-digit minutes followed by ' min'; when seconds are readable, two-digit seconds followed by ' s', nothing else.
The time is 2 h 34 min
